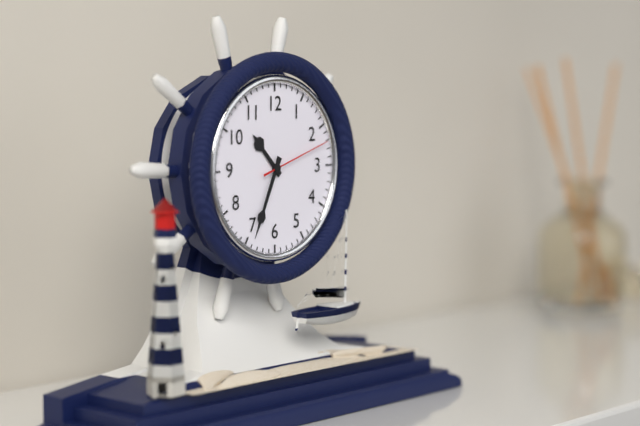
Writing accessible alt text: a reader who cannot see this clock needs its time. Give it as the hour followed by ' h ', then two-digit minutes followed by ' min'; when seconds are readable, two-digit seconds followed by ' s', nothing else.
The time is 10 h 34 min 12 s
